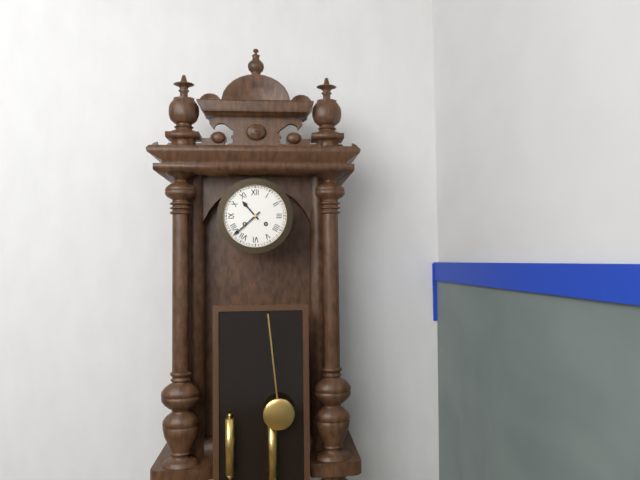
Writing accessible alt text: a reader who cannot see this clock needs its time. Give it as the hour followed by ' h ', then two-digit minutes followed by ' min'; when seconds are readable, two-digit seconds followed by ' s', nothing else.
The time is 10 h 38 min
